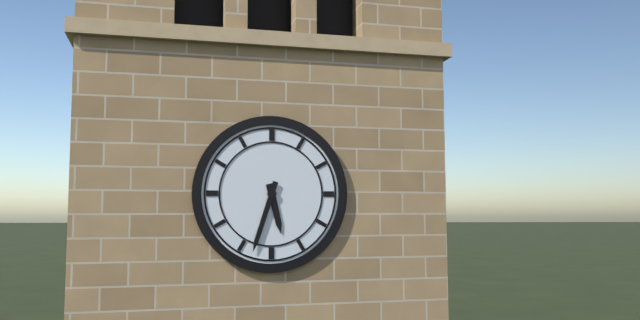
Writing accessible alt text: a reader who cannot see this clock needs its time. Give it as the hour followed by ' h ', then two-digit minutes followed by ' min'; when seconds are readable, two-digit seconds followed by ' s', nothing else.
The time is 5 h 33 min
